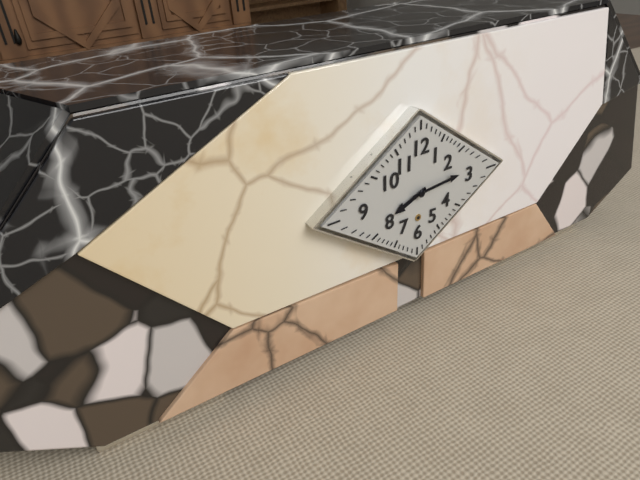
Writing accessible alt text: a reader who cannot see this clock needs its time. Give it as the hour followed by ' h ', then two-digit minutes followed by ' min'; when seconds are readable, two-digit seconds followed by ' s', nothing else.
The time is 8 h 14 min
